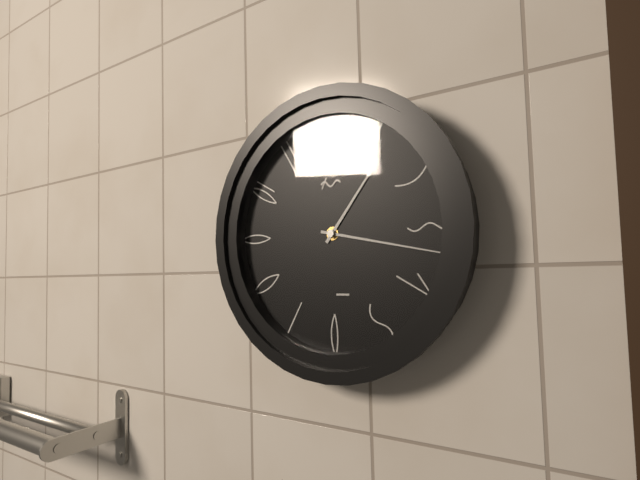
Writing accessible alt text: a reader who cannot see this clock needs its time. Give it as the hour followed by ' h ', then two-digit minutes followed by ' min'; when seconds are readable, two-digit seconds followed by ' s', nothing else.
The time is 1 h 17 min
